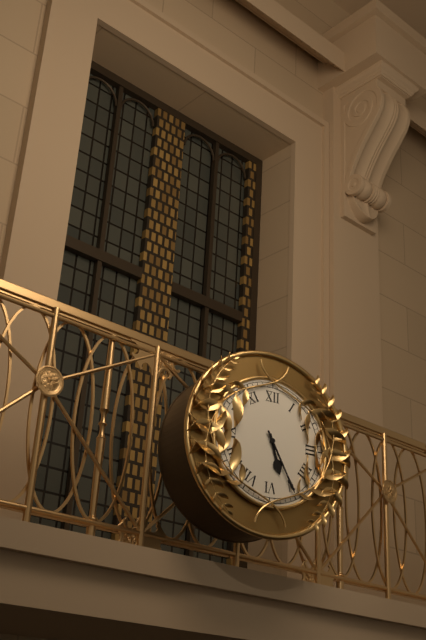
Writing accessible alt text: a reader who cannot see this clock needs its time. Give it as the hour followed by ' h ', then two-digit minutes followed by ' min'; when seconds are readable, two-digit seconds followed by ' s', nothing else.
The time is 5 h 25 min
